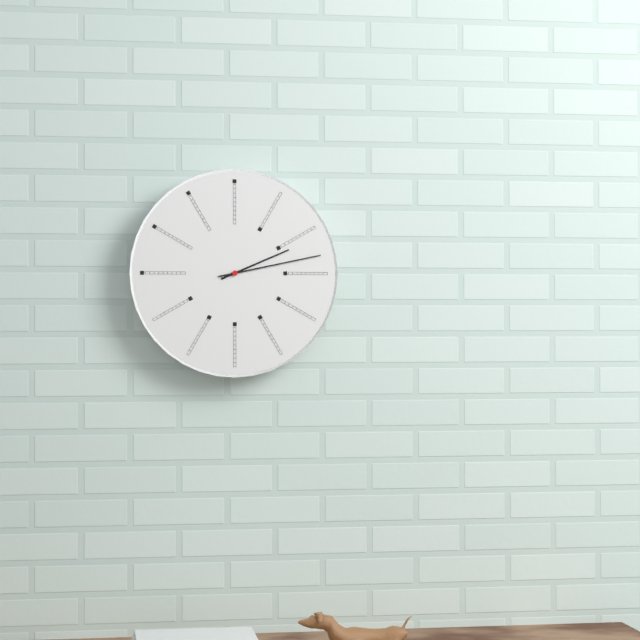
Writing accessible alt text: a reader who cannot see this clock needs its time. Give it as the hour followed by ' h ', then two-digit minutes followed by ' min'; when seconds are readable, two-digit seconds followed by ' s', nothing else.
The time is 2 h 13 min
